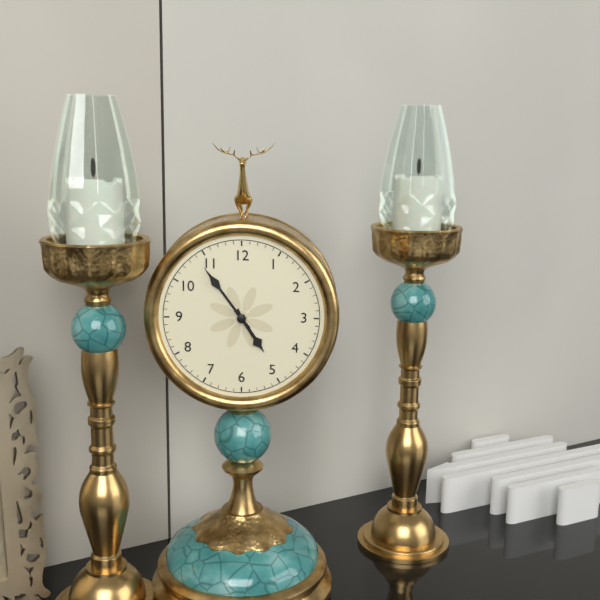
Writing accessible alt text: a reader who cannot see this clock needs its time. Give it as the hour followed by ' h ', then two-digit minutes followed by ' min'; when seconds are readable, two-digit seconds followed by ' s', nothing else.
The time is 4 h 54 min
